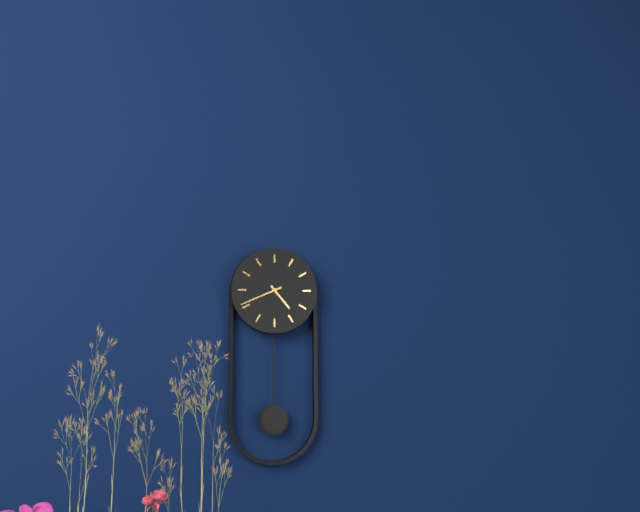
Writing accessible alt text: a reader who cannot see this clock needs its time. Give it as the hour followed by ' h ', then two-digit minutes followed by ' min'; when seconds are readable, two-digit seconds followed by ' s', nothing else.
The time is 4 h 41 min
